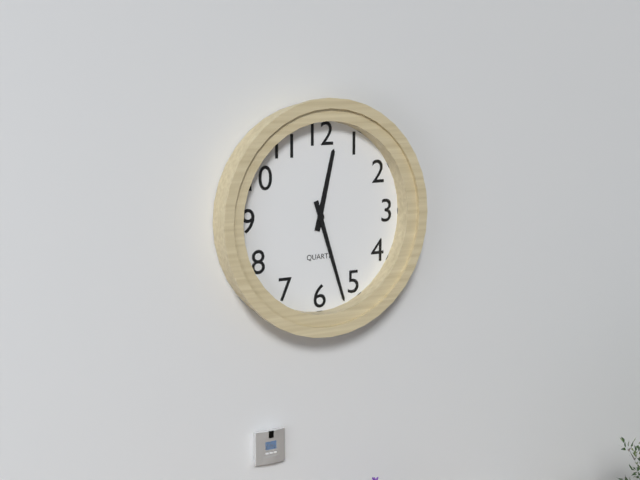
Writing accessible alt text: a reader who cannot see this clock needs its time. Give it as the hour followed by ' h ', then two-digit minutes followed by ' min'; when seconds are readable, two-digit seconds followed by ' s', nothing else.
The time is 12 h 27 min
